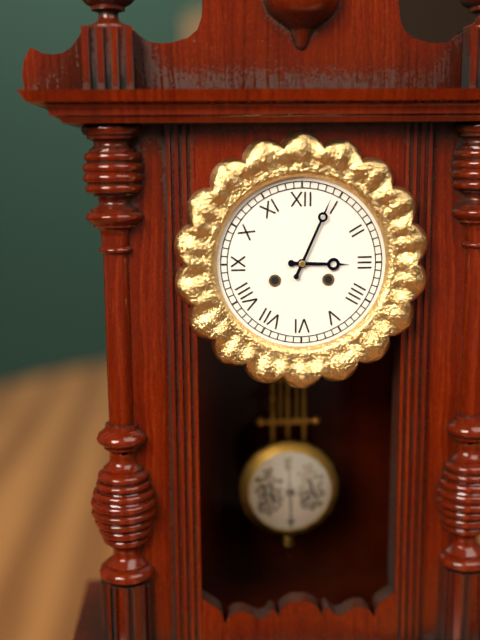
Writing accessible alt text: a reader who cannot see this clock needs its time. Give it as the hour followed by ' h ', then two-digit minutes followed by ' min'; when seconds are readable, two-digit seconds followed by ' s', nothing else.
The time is 3 h 04 min
